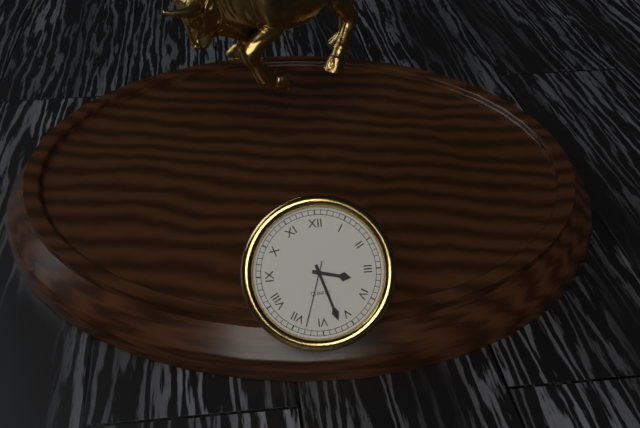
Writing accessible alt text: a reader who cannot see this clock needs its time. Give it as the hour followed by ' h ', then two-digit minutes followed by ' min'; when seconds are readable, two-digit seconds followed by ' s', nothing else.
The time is 3 h 27 min 33 s
